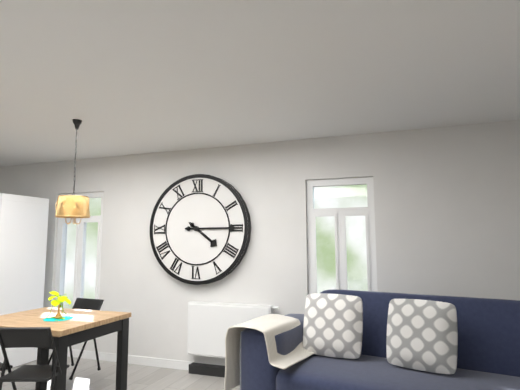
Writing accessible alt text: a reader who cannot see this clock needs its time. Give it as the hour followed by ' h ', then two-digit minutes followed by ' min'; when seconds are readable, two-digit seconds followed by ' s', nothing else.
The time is 4 h 15 min
